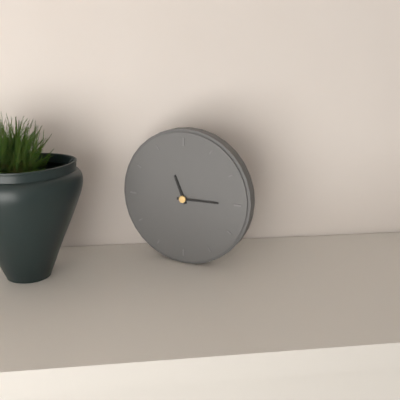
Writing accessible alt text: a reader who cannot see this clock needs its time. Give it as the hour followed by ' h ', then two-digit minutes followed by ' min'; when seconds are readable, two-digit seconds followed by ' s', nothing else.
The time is 11 h 15 min
